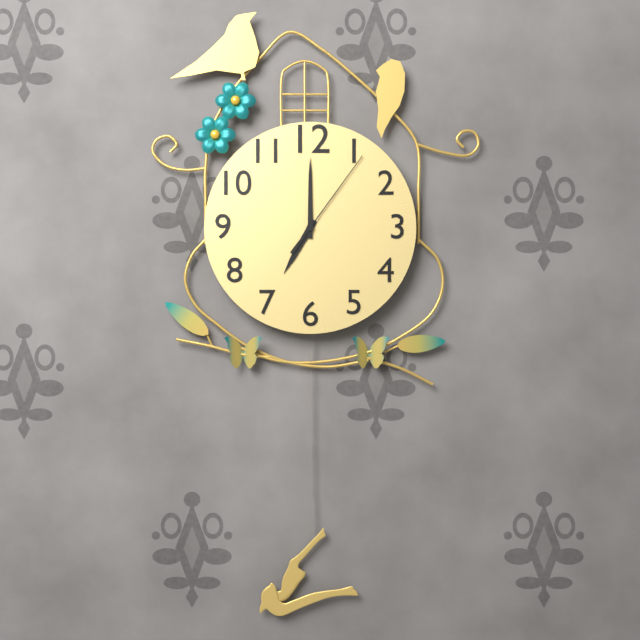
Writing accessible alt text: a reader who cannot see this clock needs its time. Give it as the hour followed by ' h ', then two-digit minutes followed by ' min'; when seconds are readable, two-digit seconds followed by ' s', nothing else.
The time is 7 h 00 min 06 s
